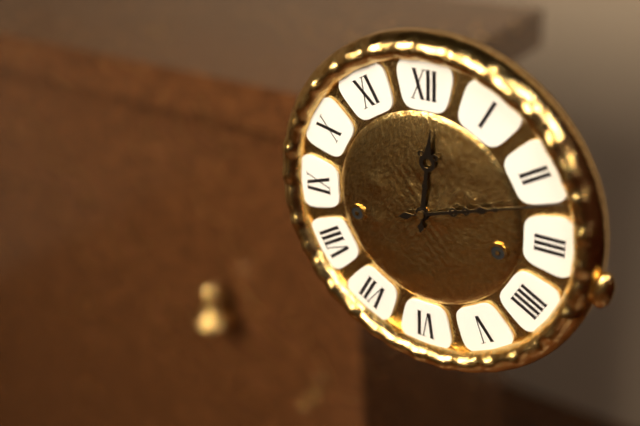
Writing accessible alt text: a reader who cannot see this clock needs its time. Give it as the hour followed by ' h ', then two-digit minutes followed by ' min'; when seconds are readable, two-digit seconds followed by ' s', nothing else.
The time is 12 h 12 min
